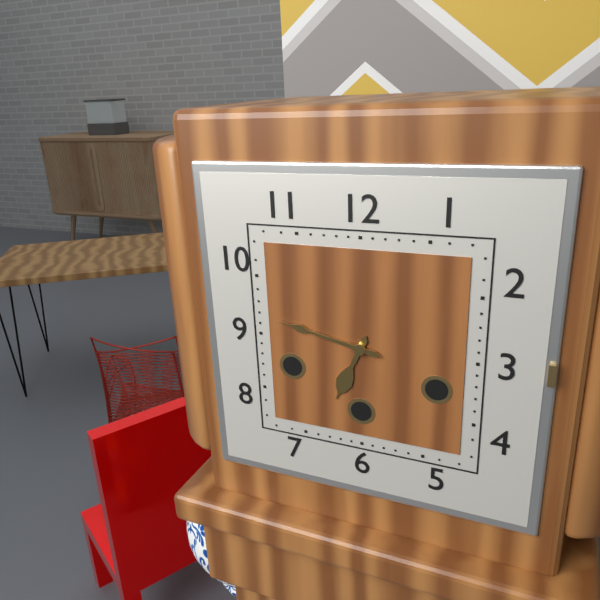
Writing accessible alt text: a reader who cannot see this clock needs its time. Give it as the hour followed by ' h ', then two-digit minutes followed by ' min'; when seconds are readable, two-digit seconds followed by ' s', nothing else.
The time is 6 h 47 min
